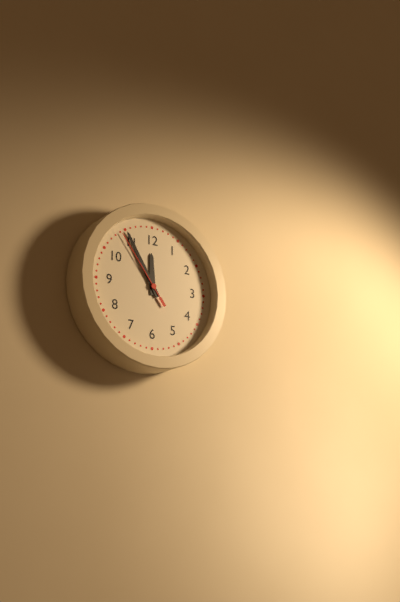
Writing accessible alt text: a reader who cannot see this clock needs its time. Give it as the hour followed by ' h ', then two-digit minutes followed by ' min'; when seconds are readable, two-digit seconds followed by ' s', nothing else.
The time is 11 h 55 min 54 s
